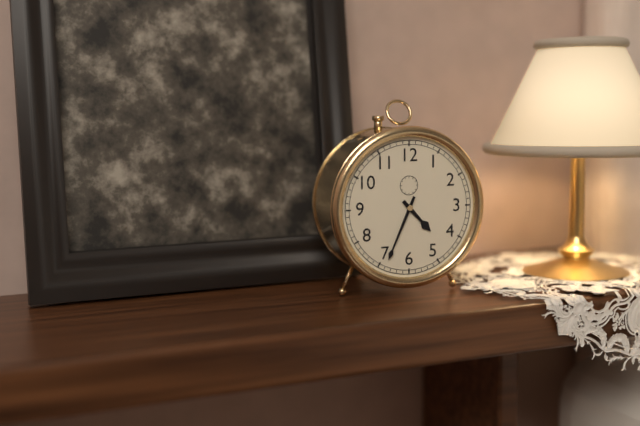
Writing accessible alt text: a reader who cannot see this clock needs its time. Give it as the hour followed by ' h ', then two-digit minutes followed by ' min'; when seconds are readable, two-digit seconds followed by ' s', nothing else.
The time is 4 h 34 min
